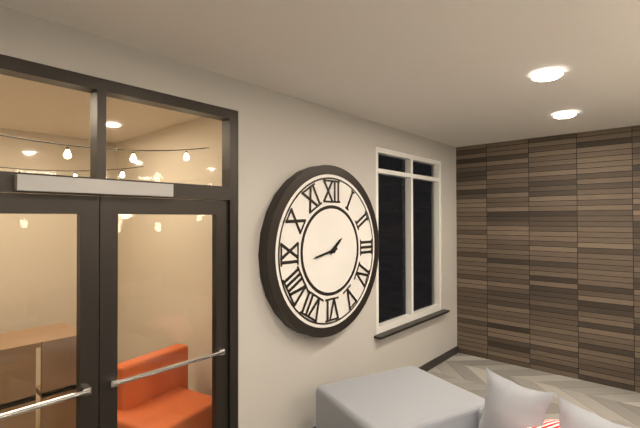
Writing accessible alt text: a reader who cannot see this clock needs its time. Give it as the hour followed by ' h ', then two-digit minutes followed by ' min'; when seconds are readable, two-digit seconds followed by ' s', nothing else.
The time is 1 h 43 min
